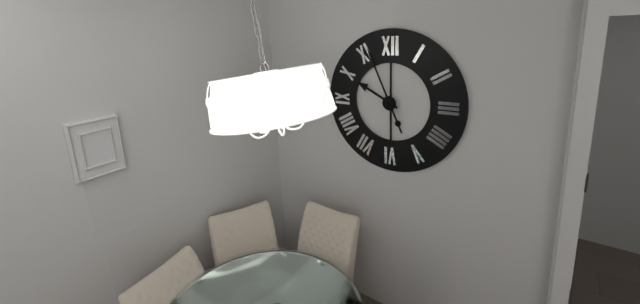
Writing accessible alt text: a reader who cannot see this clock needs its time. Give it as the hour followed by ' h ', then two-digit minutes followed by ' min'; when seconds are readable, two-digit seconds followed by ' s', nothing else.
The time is 9 h 56 min
